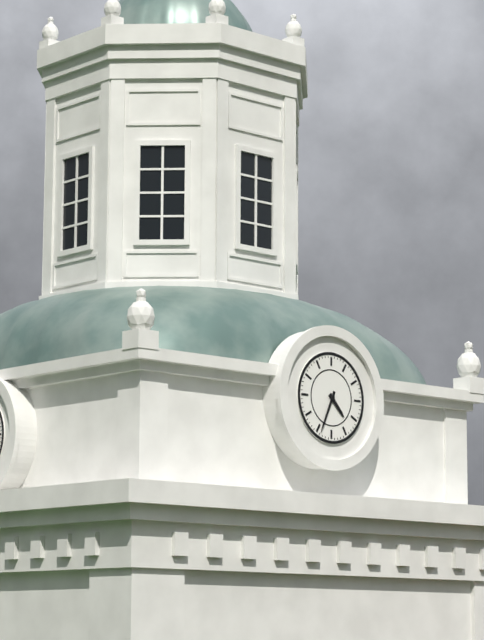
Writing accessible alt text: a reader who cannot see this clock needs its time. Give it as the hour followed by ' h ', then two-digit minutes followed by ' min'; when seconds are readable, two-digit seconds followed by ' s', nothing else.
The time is 4 h 34 min
